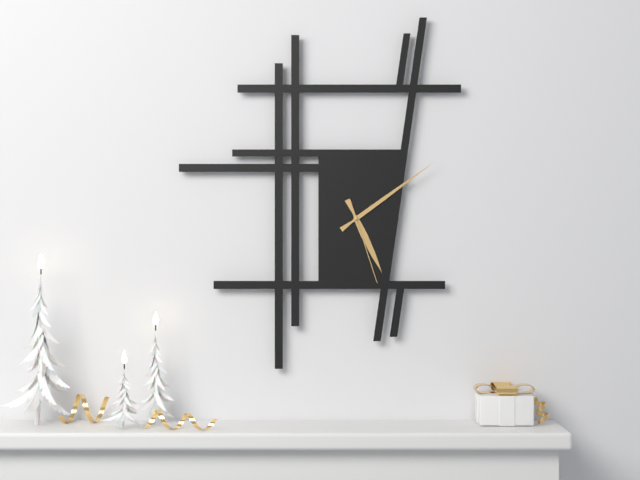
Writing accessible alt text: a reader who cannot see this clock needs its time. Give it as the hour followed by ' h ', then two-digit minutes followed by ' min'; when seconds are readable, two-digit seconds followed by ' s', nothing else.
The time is 5 h 09 min 27 s
